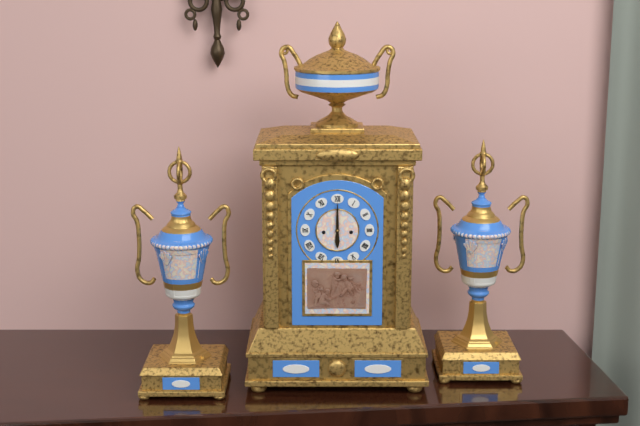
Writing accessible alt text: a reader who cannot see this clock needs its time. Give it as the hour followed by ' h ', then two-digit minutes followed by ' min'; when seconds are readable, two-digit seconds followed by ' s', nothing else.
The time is 6 h 00 min
